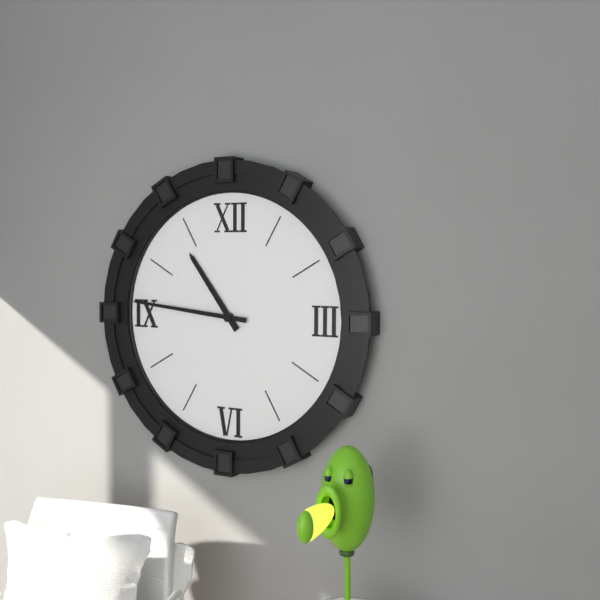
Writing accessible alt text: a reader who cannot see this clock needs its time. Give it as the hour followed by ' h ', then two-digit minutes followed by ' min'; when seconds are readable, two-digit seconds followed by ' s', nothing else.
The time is 10 h 46 min
